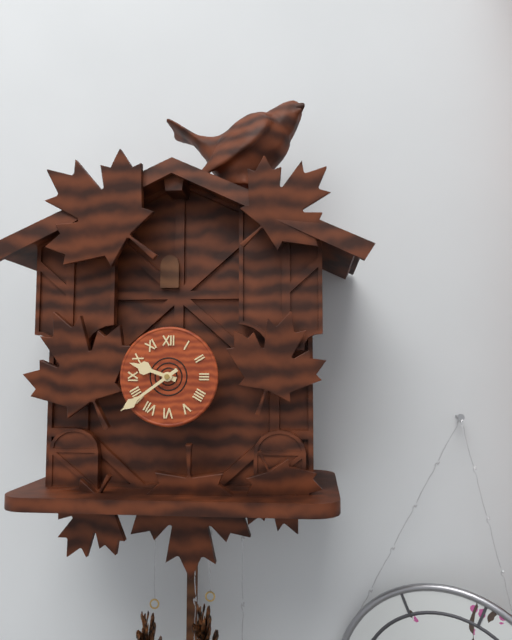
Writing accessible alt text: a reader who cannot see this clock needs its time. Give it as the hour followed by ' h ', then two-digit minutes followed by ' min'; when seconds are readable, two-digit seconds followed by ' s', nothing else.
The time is 9 h 39 min
